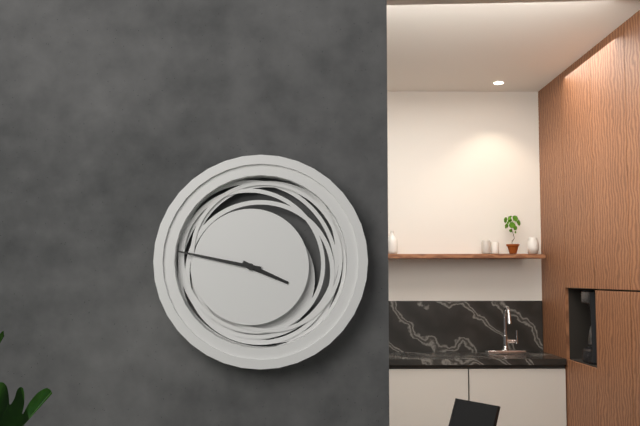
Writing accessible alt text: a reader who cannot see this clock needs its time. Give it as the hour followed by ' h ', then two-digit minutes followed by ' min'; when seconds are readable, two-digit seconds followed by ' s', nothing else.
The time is 3 h 47 min
